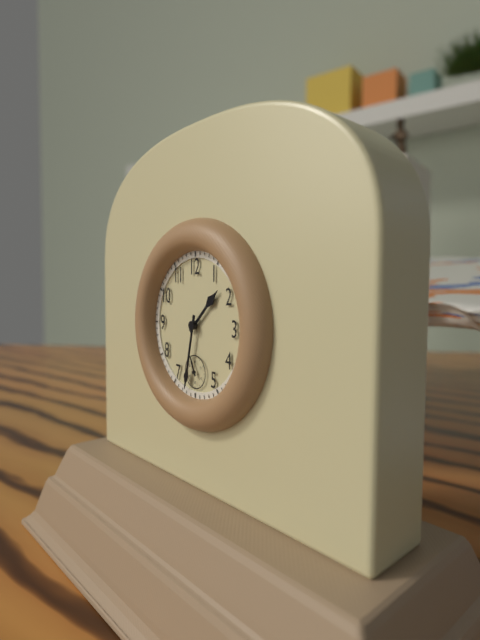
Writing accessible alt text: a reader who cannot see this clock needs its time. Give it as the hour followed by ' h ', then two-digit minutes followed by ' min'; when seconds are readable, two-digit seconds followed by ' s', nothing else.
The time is 1 h 32 min
